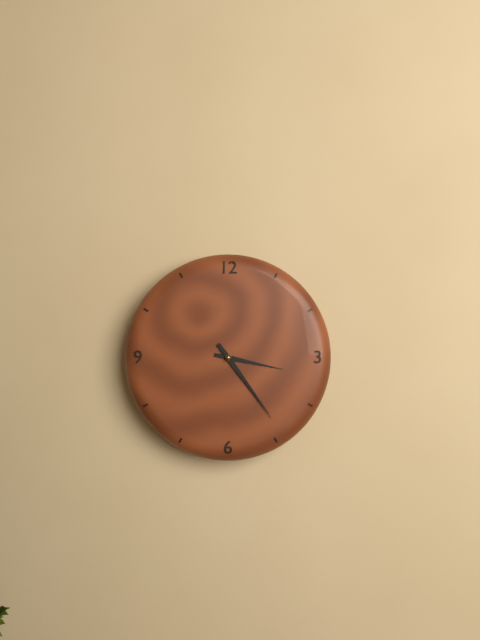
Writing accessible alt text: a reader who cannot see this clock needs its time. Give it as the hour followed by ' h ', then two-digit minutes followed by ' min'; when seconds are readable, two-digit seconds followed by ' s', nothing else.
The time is 3 h 24 min
